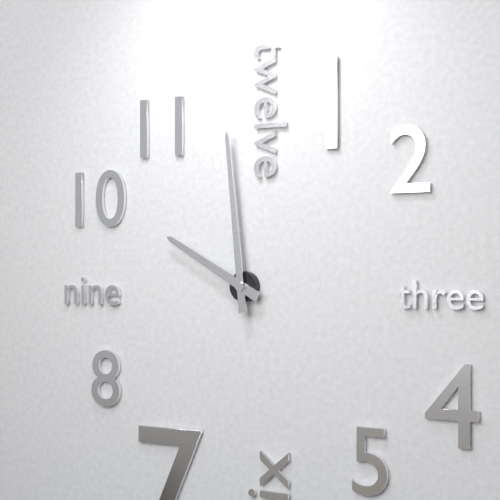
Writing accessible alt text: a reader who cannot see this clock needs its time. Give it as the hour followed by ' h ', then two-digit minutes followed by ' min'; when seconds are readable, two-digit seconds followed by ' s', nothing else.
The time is 9 h 59 min
